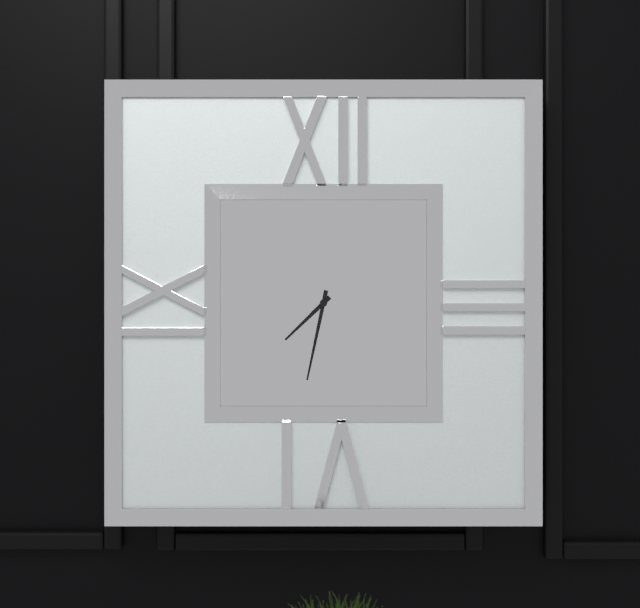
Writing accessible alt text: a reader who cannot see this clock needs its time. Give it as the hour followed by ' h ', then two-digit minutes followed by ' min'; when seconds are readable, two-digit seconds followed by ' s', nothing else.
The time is 7 h 32 min
